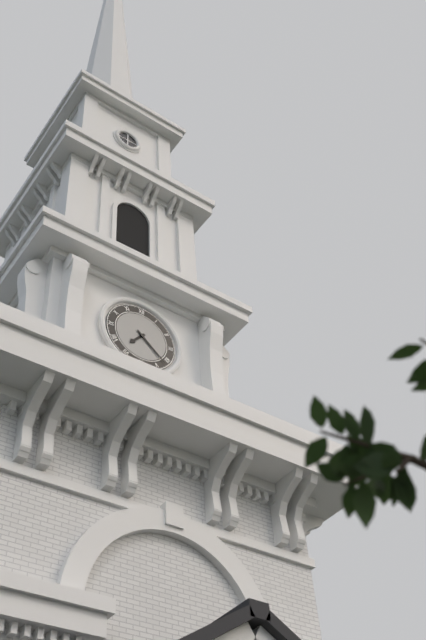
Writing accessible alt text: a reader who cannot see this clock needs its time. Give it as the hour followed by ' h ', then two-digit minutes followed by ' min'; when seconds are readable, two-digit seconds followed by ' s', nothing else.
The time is 7 h 22 min
